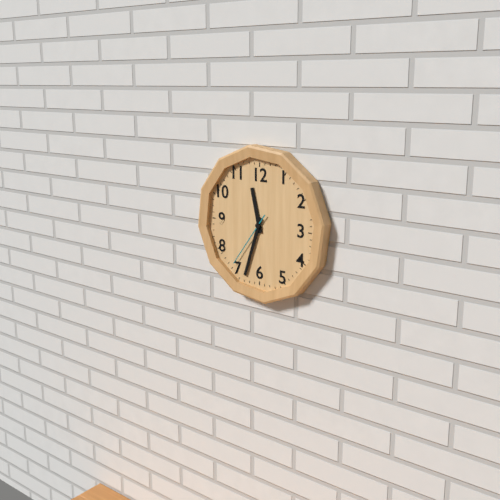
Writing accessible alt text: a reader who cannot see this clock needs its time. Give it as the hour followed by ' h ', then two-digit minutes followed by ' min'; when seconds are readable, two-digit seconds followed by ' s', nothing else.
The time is 11 h 33 min 36 s
